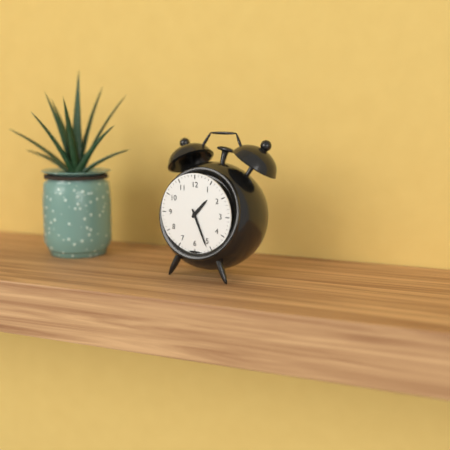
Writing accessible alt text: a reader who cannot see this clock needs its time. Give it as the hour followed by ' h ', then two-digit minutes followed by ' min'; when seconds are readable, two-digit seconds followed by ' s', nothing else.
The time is 1 h 26 min
